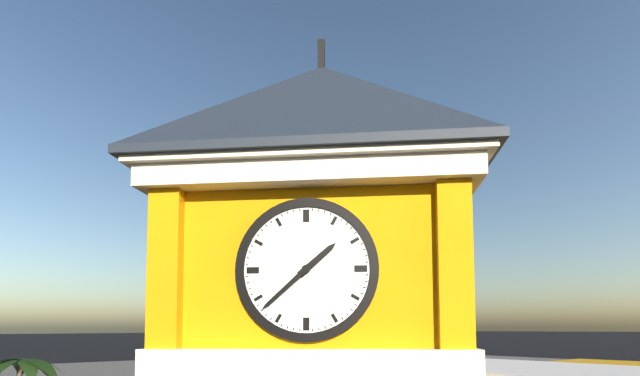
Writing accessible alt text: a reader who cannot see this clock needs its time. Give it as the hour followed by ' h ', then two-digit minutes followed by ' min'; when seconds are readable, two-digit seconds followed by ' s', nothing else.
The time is 1 h 38 min
